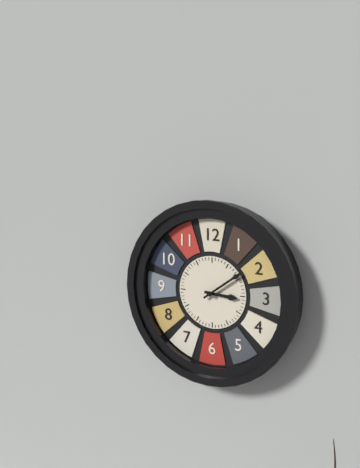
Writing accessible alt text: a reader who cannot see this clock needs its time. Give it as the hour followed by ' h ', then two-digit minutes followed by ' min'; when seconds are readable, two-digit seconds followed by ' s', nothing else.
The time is 3 h 09 min
